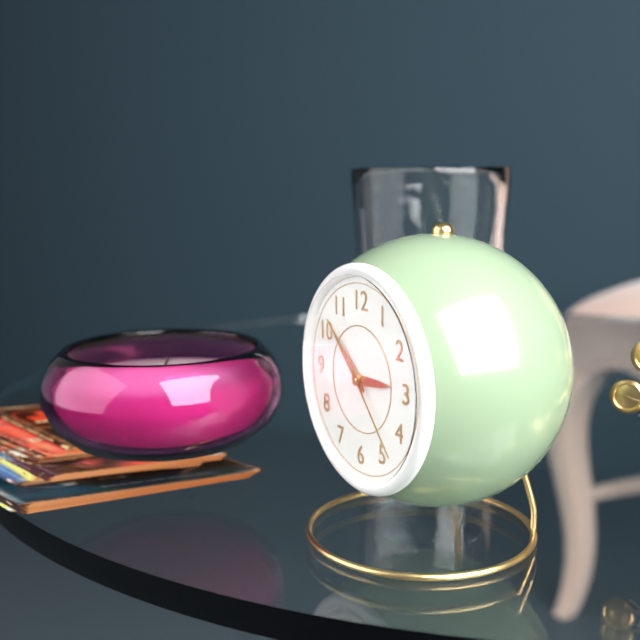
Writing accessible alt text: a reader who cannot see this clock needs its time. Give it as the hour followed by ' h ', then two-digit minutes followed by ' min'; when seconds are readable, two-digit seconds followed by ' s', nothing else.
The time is 2 h 52 min 23 s
